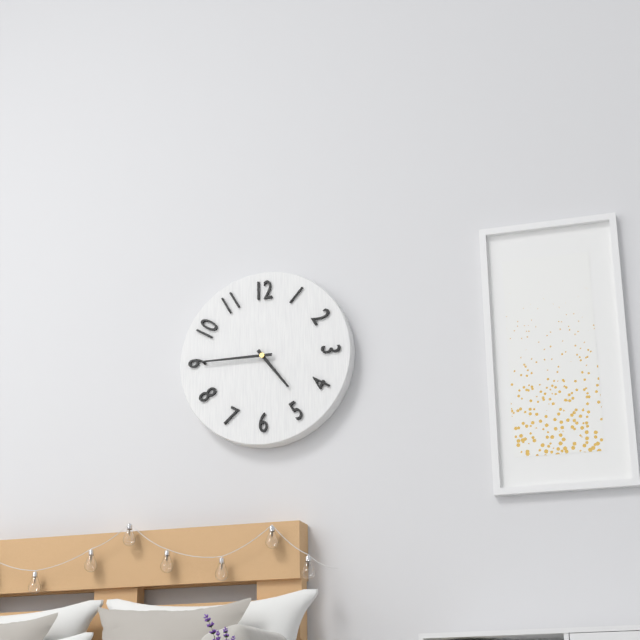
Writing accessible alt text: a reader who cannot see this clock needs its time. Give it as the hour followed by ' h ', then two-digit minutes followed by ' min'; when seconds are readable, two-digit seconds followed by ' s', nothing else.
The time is 4 h 45 min
